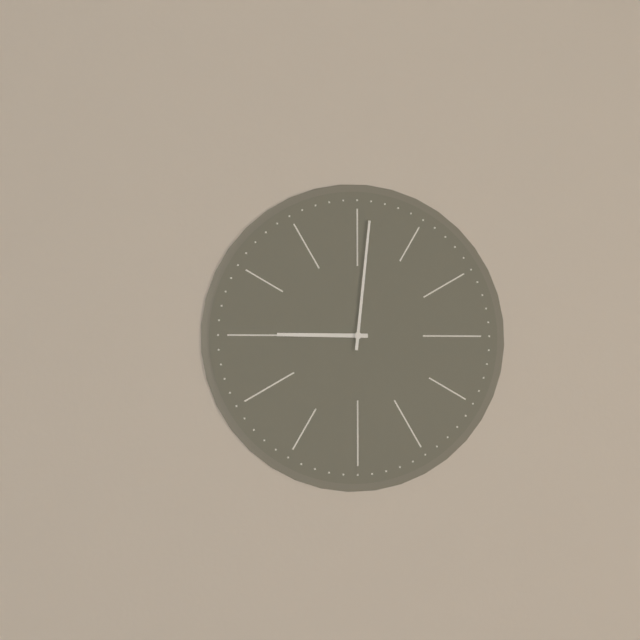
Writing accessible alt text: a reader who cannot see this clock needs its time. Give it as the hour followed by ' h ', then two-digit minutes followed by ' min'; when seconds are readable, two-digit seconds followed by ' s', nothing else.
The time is 9 h 01 min
